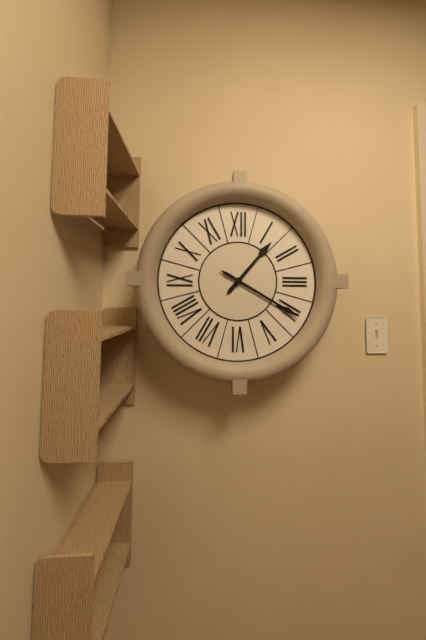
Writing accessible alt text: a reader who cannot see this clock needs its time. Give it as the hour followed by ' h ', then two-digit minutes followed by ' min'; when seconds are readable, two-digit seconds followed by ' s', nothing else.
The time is 1 h 20 min
